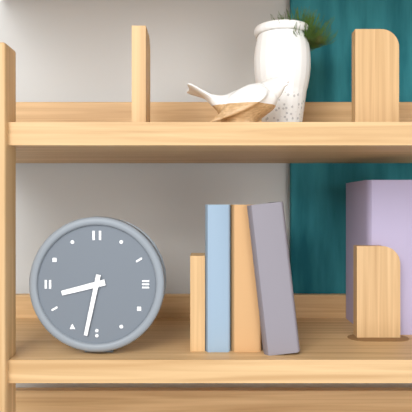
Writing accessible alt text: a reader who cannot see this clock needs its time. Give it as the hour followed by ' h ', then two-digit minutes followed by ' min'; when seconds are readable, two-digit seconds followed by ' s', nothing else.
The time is 8 h 32 min
